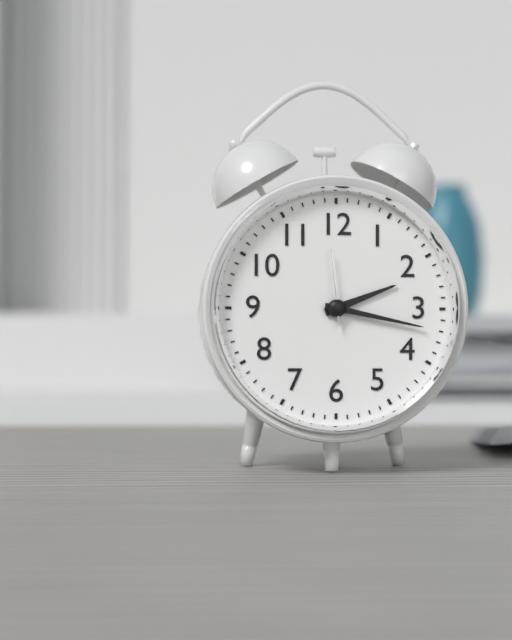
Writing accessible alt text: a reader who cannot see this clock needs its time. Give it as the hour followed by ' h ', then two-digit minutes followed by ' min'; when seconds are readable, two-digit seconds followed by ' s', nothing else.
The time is 2 h 17 min 59 s
